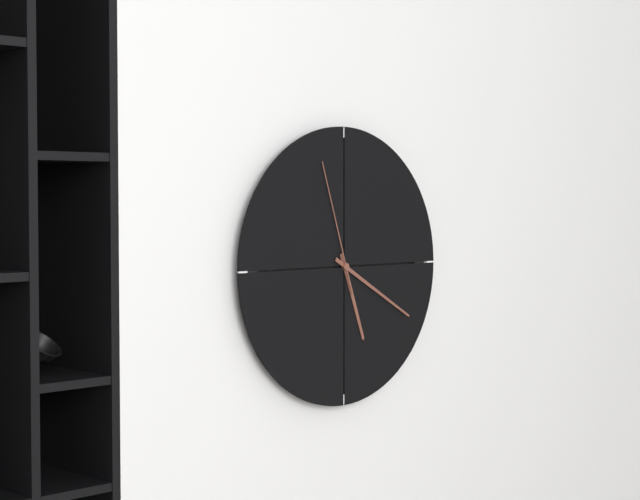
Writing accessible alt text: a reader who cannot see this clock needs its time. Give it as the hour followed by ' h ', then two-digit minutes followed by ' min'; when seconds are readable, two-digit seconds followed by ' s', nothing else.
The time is 5 h 20 min 57 s
